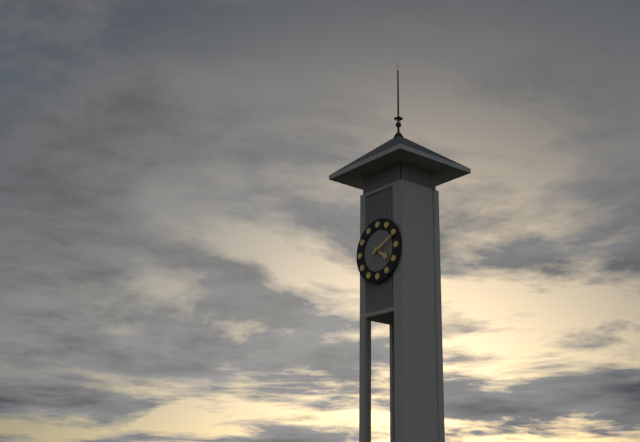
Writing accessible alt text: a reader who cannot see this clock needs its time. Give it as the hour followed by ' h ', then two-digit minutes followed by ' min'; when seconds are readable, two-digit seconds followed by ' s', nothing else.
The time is 4 h 11 min
